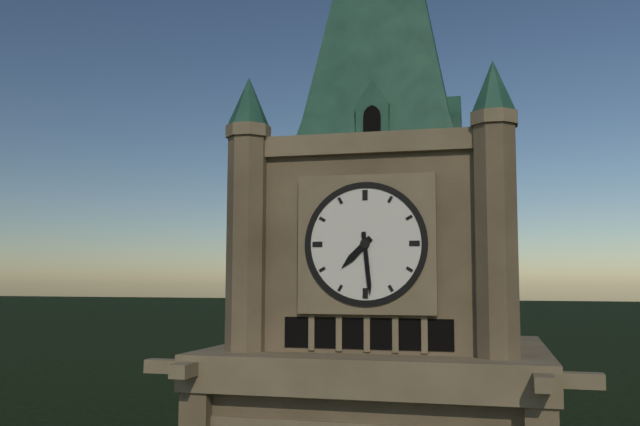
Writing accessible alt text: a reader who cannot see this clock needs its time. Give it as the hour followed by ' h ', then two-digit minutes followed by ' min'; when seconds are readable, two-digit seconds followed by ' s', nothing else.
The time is 7 h 29 min
